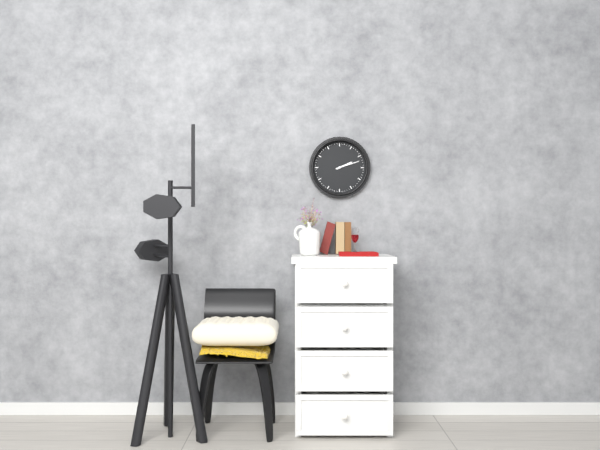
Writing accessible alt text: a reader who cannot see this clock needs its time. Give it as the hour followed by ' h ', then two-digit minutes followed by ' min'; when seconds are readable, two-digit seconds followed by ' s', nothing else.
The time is 2 h 12 min
